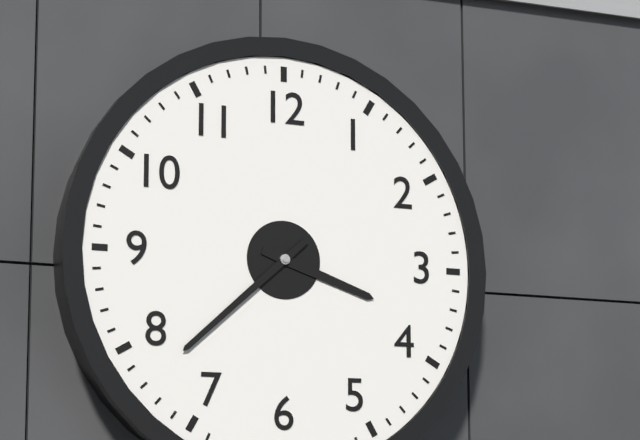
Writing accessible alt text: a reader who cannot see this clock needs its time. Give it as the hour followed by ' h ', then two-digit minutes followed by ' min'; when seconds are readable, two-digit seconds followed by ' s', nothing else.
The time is 3 h 38 min
